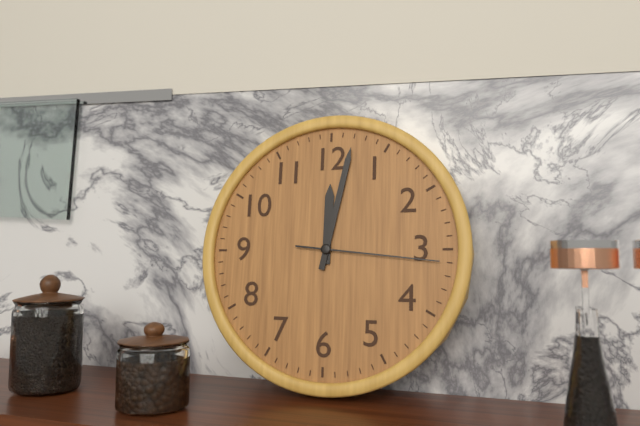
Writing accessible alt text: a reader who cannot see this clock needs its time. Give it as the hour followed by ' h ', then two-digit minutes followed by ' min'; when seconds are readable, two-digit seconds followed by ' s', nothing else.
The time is 12 h 02 min 16 s
